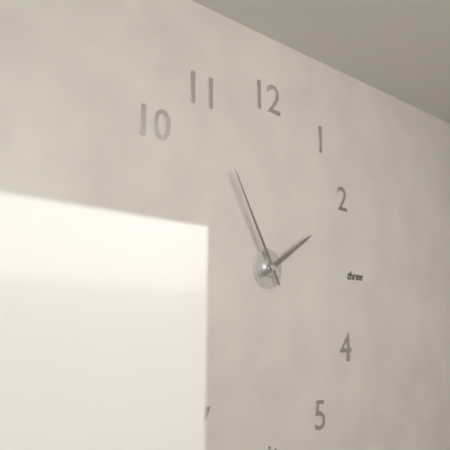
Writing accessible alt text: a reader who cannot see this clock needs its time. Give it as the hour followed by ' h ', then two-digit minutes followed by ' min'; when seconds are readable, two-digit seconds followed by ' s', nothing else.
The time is 1 h 55 min
